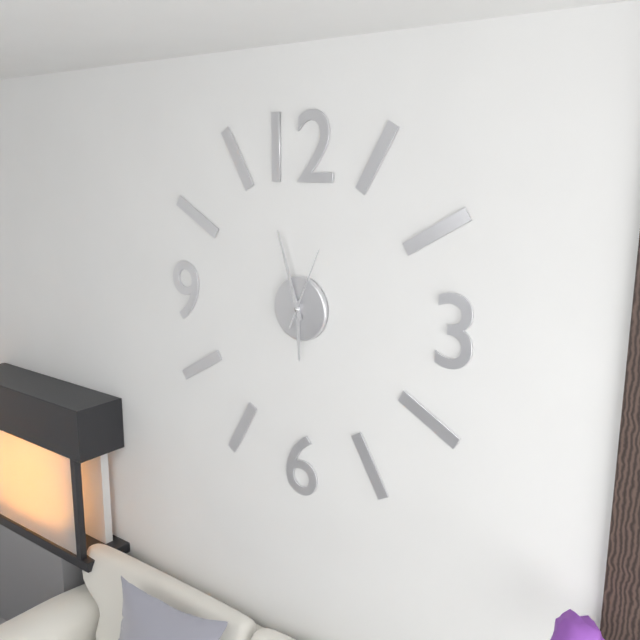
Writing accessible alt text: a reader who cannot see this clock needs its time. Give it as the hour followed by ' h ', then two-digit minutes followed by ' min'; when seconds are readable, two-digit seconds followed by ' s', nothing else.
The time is 5 h 57 min 04 s
